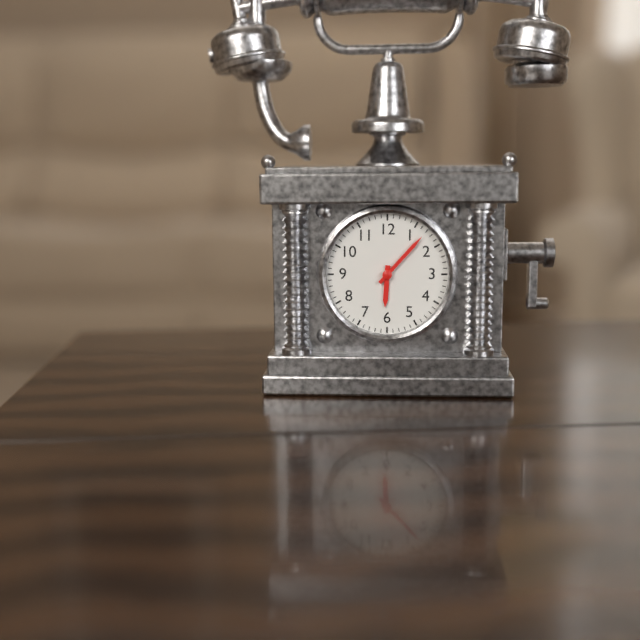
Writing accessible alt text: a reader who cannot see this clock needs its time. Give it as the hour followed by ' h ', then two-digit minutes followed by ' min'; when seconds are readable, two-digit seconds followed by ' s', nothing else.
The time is 6 h 07 min
